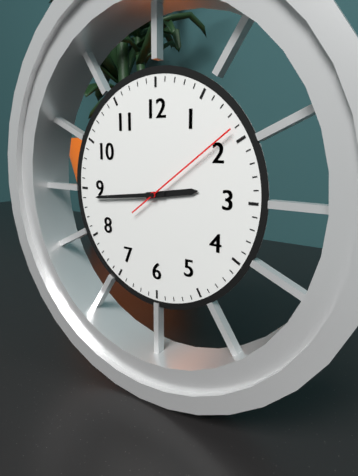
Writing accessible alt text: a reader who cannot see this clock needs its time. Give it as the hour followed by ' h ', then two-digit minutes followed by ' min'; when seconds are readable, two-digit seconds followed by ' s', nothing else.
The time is 2 h 44 min 09 s
